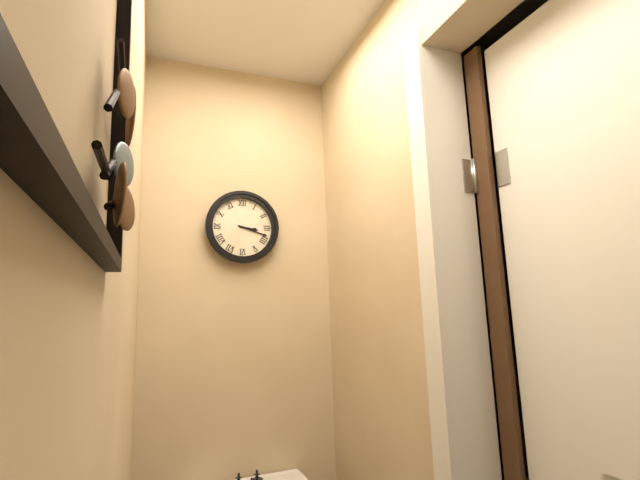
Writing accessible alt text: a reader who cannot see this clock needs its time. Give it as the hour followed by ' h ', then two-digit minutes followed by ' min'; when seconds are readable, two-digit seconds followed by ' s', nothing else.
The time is 3 h 18 min
